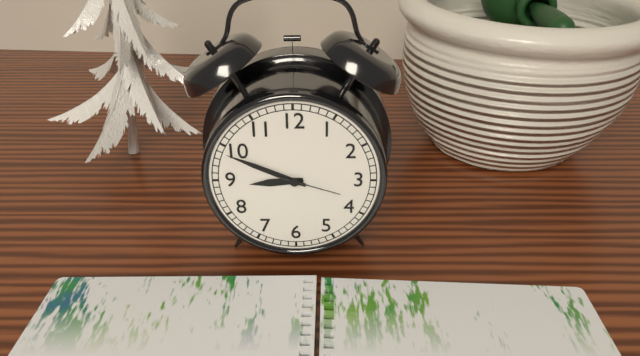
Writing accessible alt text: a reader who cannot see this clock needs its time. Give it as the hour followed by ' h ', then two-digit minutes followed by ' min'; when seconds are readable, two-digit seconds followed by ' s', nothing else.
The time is 8 h 49 min 18 s
